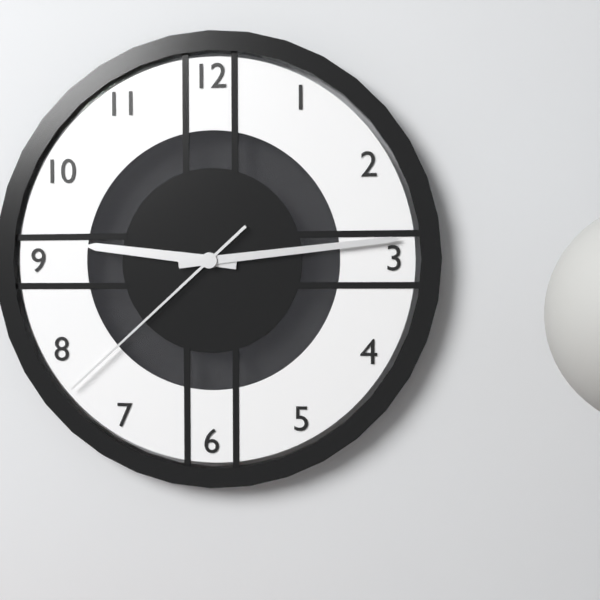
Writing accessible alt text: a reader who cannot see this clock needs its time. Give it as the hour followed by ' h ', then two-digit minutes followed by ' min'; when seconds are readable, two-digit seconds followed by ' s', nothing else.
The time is 9 h 14 min 38 s
